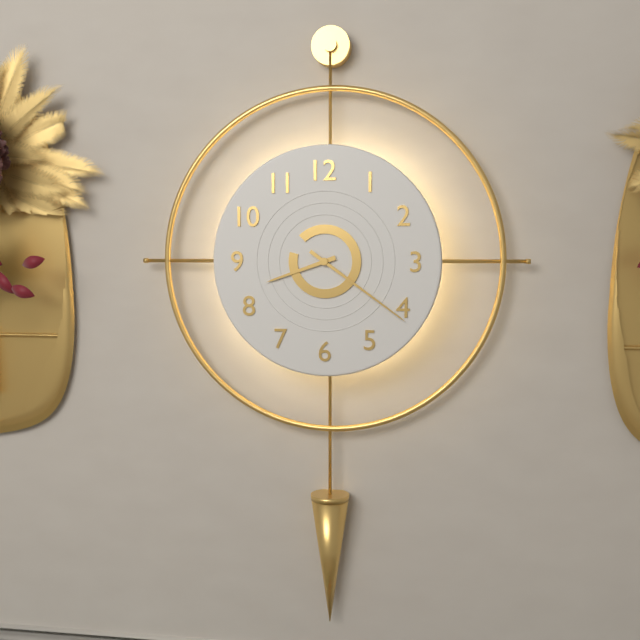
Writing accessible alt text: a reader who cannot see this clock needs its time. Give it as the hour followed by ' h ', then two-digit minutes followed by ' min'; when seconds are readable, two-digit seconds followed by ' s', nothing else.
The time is 8 h 21 min
